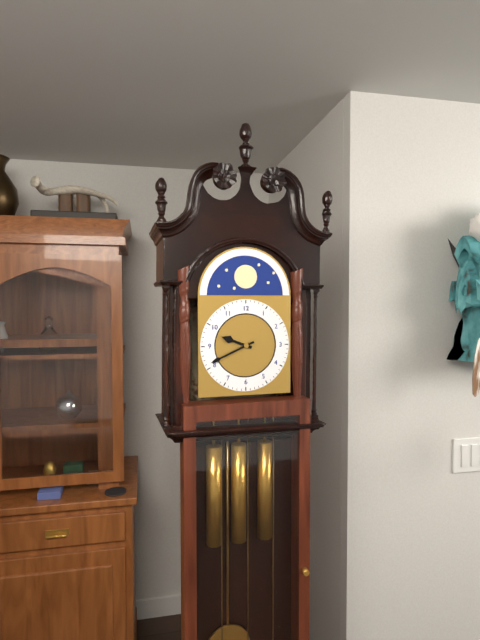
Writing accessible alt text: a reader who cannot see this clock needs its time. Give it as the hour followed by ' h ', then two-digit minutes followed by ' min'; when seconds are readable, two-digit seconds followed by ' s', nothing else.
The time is 9 h 41 min
